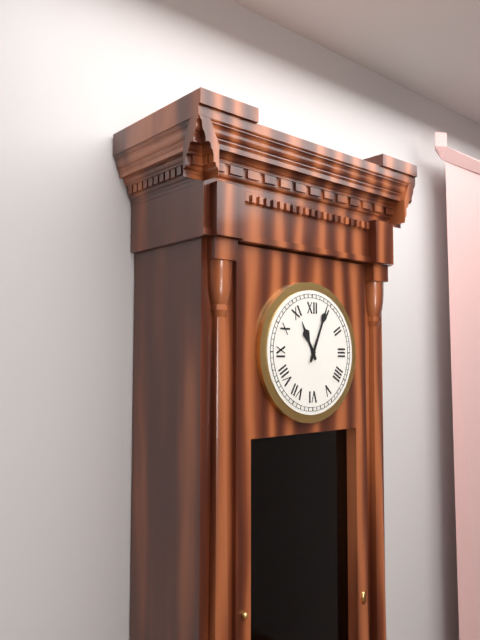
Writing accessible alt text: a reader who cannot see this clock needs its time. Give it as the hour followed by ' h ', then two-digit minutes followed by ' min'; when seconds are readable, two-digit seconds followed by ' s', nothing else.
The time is 11 h 04 min
